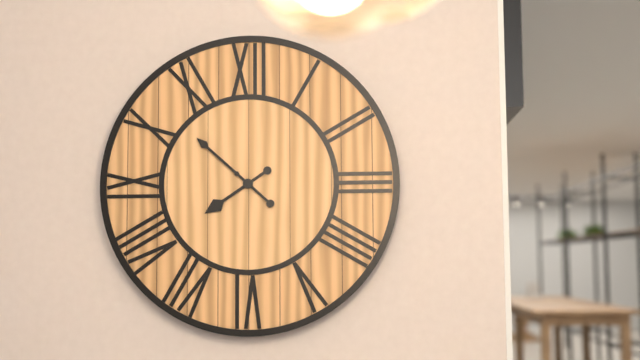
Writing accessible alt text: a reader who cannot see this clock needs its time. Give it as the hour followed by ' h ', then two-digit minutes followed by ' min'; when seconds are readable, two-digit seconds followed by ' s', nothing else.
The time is 7 h 52 min
